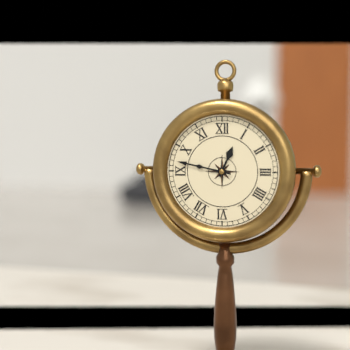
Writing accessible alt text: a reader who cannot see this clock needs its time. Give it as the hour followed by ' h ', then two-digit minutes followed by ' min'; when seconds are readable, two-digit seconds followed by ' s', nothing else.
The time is 12 h 47 min
